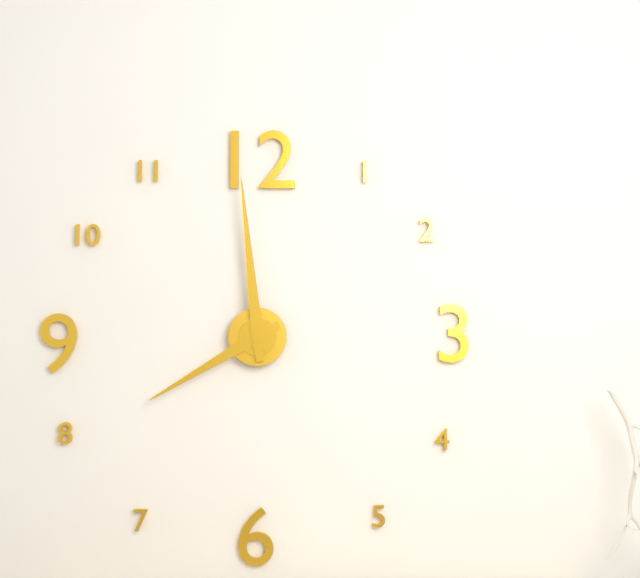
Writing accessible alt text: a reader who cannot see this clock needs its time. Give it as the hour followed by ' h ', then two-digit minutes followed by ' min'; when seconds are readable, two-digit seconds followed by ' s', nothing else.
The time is 7 h 59 min
